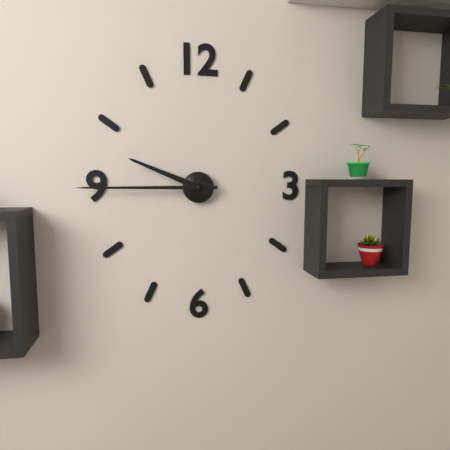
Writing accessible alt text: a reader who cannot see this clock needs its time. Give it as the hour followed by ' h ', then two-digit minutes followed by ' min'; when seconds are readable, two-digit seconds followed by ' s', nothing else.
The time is 9 h 45 min
